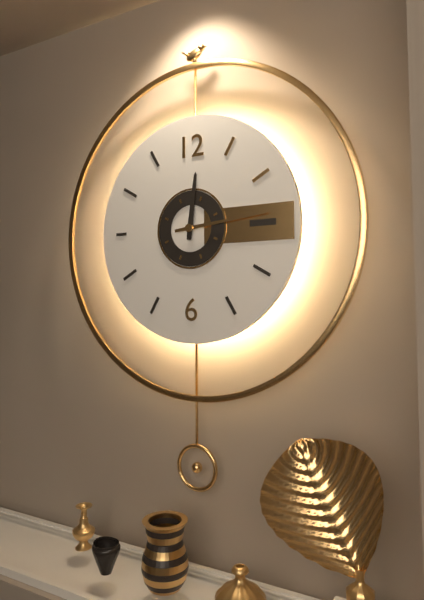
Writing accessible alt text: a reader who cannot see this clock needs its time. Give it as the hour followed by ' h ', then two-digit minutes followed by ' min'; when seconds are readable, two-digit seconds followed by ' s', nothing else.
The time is 12 h 14 min
